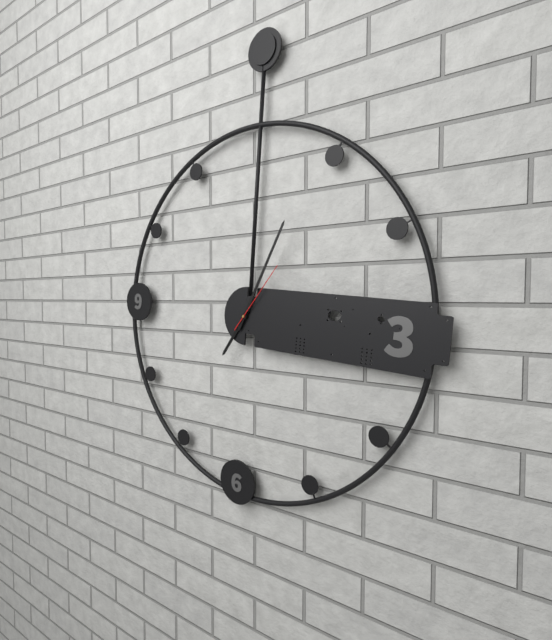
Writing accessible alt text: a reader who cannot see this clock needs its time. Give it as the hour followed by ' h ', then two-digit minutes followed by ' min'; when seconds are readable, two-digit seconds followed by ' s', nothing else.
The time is 7 h 04 min 06 s
